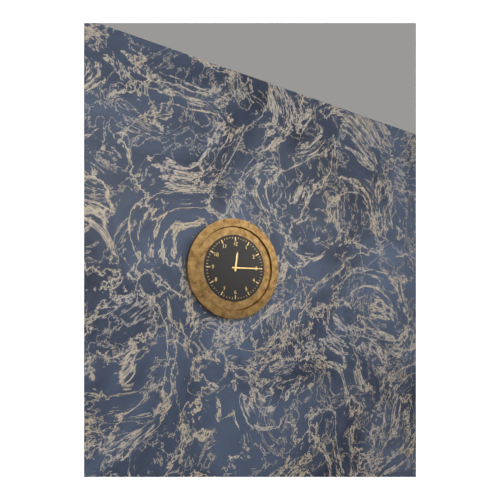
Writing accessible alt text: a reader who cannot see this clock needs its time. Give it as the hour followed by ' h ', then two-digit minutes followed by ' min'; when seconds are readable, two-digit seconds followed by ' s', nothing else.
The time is 12 h 15 min
